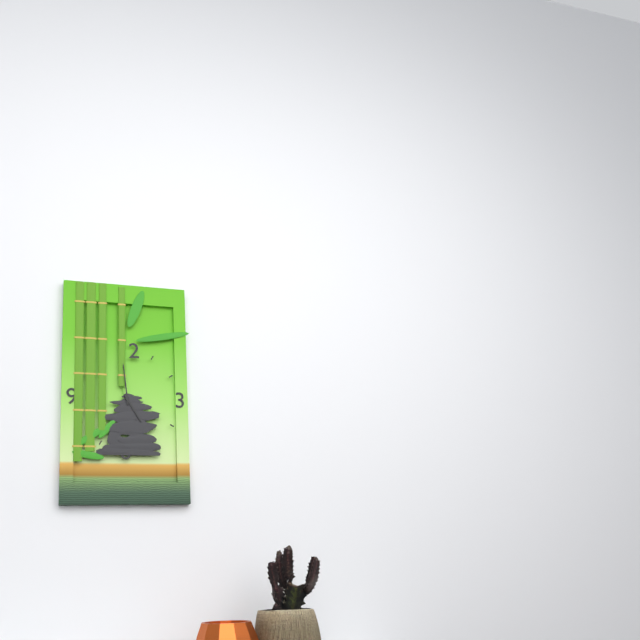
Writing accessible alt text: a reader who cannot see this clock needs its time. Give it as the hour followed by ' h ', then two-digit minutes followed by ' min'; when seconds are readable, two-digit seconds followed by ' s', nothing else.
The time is 4 h 59 min
